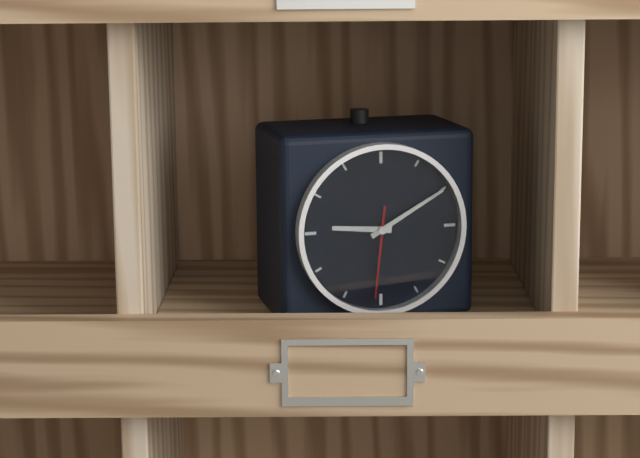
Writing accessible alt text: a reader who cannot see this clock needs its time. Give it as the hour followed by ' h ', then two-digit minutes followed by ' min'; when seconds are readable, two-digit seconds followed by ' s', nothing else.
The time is 9 h 10 min 31 s
